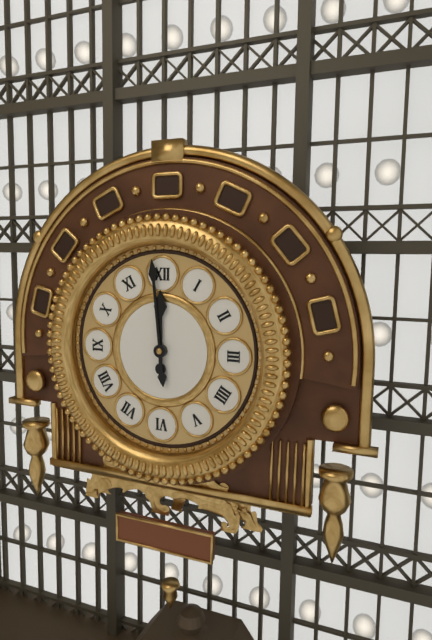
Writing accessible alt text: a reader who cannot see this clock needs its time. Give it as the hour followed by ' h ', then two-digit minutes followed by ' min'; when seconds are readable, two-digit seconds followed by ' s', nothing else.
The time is 11 h 59 min
